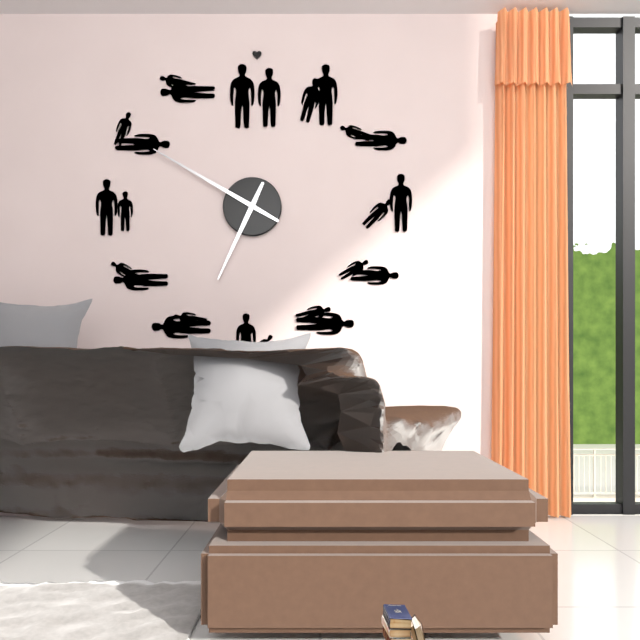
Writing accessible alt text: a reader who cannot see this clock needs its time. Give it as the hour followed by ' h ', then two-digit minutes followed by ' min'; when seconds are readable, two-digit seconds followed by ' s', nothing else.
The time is 6 h 50 min
